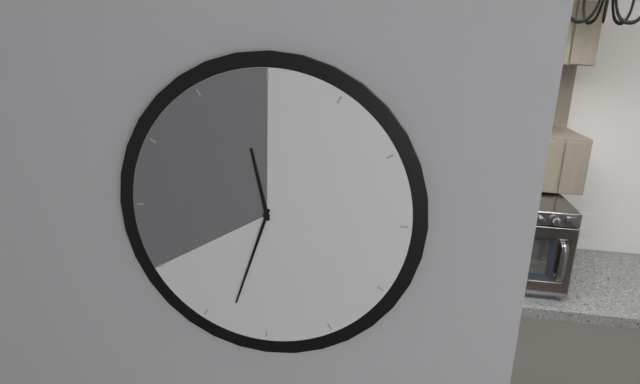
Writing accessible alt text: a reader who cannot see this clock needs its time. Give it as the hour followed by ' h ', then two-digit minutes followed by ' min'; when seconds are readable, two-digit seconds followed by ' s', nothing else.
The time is 11 h 33 min
